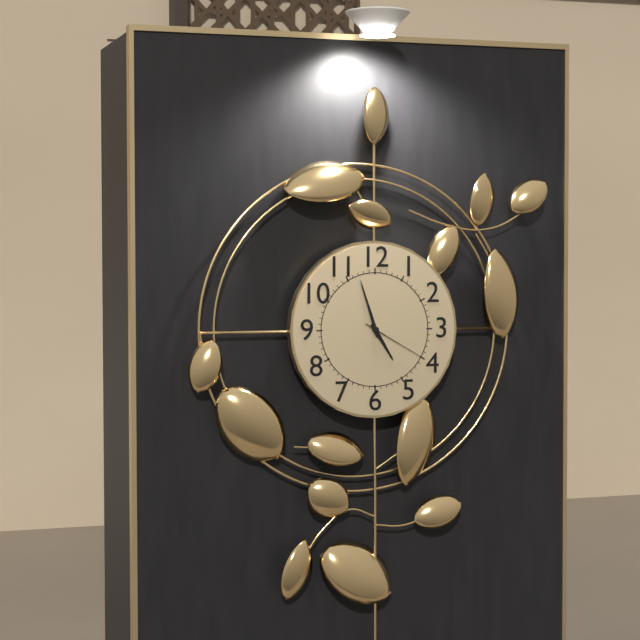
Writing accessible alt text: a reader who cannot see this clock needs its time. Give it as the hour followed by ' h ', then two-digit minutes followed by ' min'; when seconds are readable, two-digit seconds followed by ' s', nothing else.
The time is 4 h 57 min 20 s
